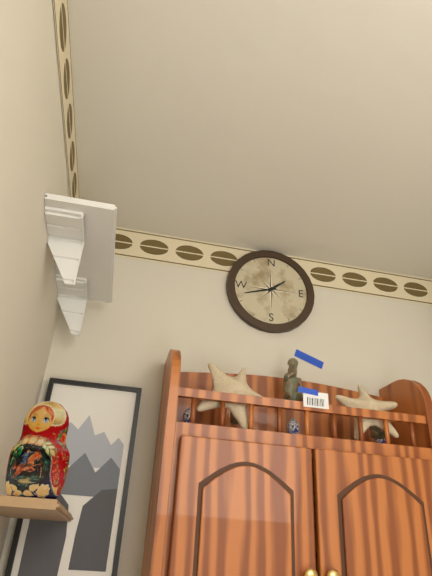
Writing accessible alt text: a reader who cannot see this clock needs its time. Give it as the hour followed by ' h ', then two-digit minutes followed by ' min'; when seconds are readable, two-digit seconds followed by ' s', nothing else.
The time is 1 h 42 min
